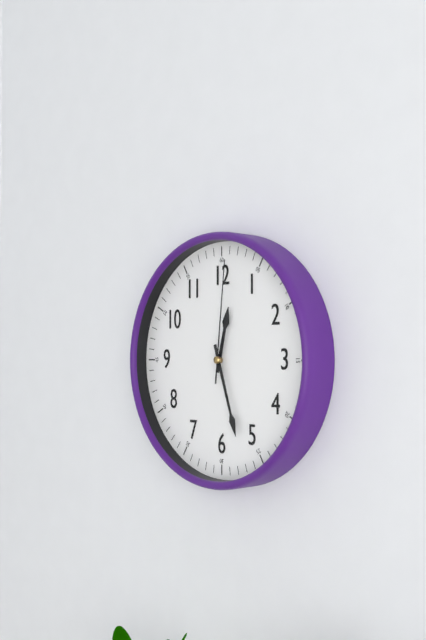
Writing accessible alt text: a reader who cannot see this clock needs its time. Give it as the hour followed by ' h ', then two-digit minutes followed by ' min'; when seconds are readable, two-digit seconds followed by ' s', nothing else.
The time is 12 h 27 min 01 s
